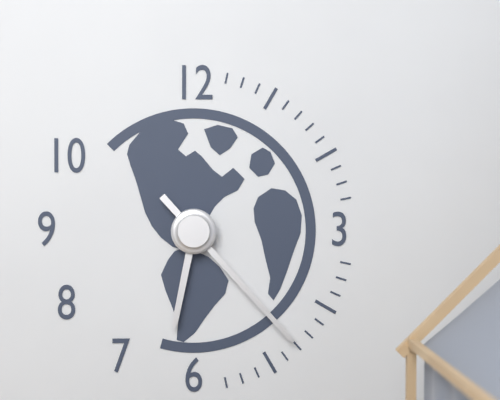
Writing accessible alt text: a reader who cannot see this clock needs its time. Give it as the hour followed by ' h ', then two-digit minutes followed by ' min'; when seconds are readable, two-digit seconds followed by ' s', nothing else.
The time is 6 h 23 min
